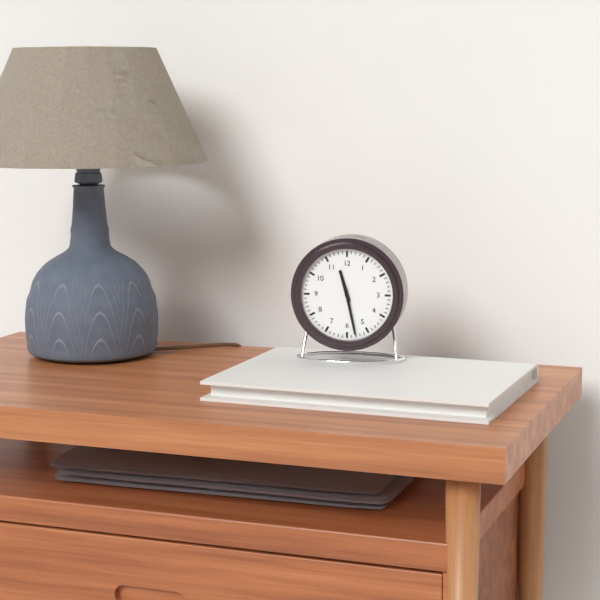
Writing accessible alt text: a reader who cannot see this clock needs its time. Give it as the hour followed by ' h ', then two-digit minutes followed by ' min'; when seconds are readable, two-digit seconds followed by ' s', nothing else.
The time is 11 h 28 min
